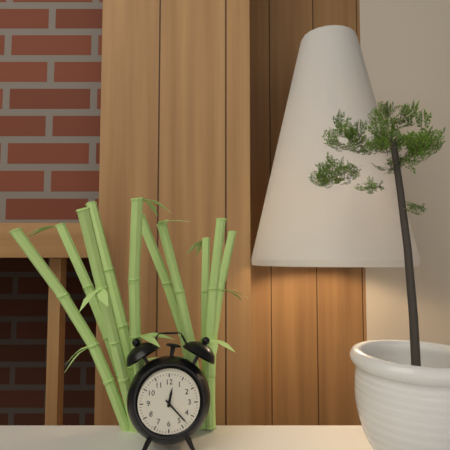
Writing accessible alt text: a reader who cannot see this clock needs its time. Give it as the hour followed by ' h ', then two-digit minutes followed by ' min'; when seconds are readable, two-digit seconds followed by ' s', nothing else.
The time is 12 h 23 min
